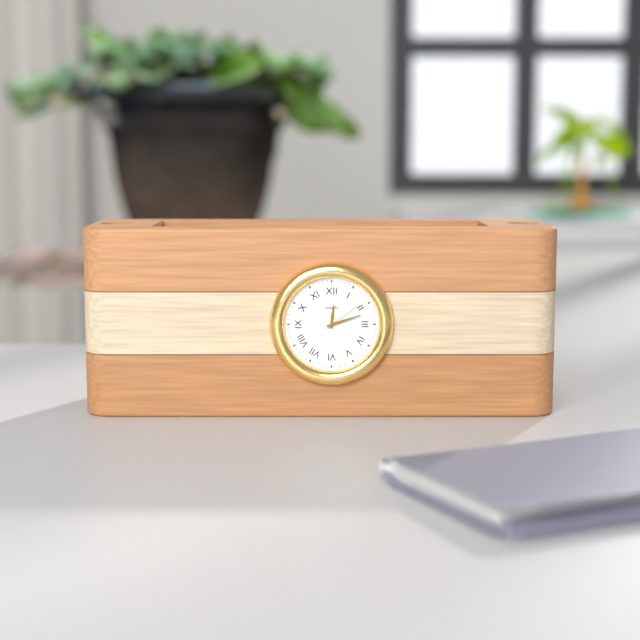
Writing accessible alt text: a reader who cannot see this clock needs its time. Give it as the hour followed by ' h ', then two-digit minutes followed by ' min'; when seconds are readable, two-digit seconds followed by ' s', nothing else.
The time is 12 h 12 min
